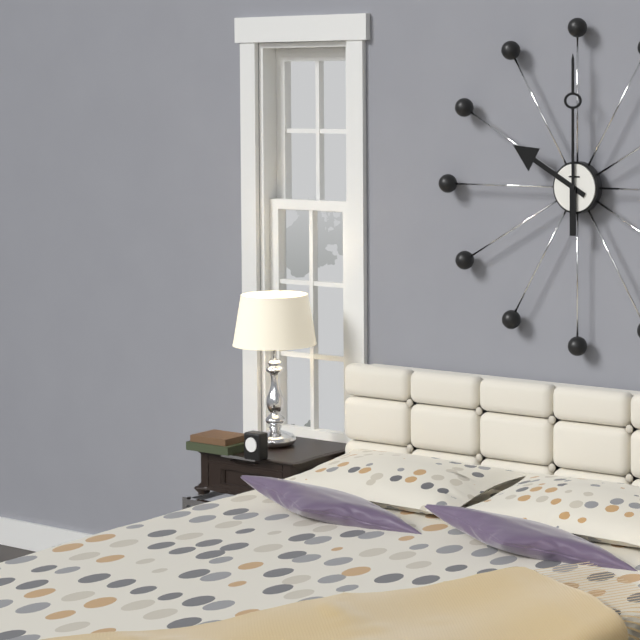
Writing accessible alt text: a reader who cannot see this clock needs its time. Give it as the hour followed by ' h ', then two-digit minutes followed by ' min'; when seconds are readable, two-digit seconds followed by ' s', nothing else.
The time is 10 h 00 min
